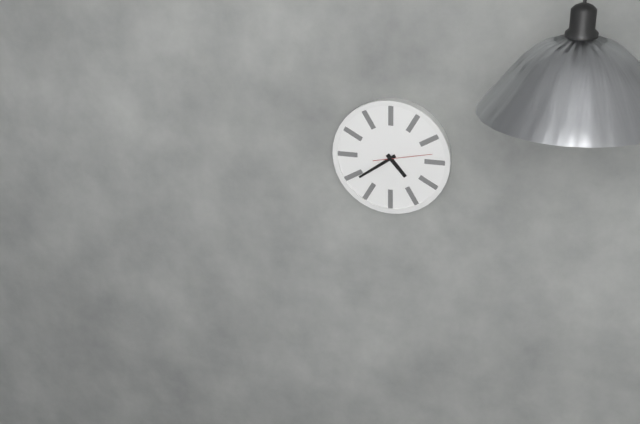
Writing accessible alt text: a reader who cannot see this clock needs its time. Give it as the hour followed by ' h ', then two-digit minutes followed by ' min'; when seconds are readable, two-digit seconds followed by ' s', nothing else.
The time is 4 h 39 min 13 s
